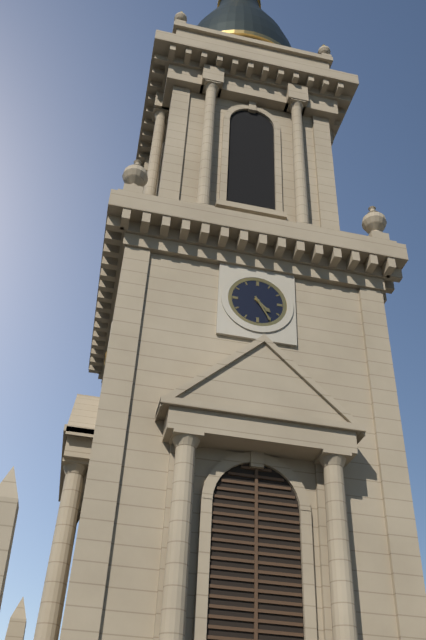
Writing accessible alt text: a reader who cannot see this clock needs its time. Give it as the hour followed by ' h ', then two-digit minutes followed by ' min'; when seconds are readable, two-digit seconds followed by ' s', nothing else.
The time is 4 h 25 min
